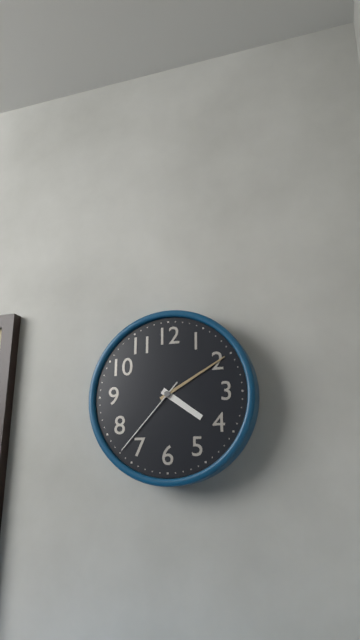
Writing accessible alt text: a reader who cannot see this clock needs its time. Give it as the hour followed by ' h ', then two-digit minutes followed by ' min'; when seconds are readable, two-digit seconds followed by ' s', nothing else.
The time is 4 h 10 min 37 s
